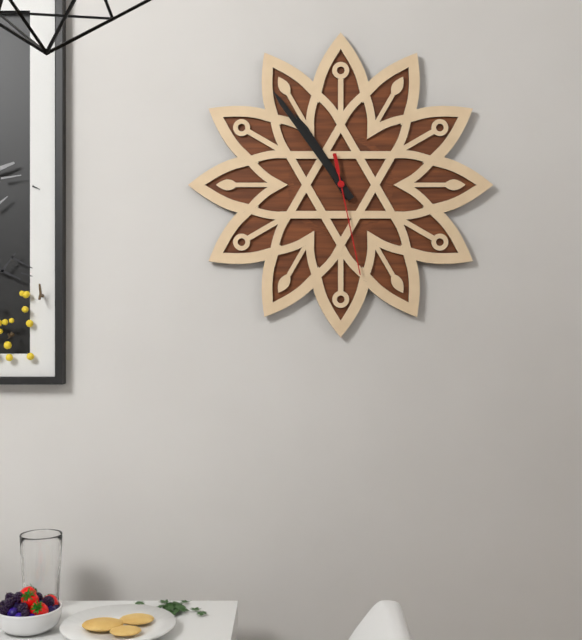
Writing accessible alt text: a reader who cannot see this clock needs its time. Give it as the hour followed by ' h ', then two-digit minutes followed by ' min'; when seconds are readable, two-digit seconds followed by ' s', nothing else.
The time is 10 h 54 min 28 s
